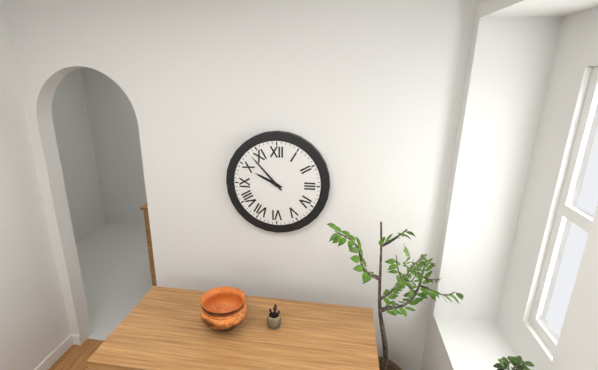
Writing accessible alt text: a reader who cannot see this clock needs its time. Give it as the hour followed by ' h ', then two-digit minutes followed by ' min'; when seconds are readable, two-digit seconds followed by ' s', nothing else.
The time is 9 h 53 min
